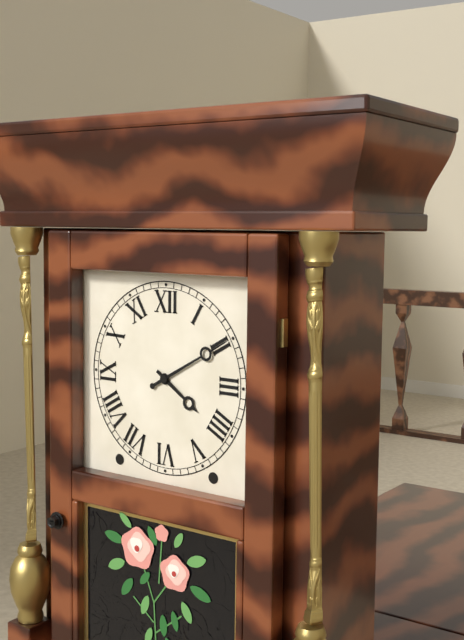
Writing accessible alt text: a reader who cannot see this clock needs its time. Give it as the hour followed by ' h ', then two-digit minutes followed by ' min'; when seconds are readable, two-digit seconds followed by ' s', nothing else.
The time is 4 h 10 min
